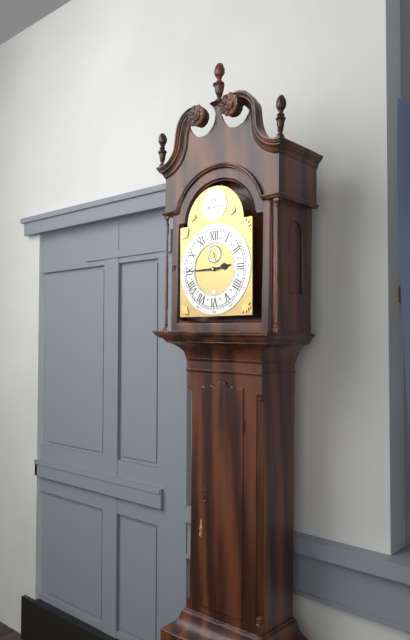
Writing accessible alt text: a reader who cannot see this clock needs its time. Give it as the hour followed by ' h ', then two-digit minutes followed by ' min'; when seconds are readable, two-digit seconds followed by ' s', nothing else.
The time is 2 h 45 min
